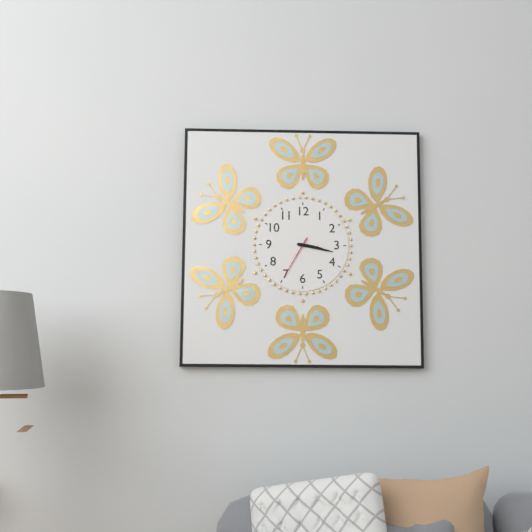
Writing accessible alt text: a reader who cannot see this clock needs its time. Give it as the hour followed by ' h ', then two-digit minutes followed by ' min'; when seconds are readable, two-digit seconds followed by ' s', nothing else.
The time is 3 h 17 min
